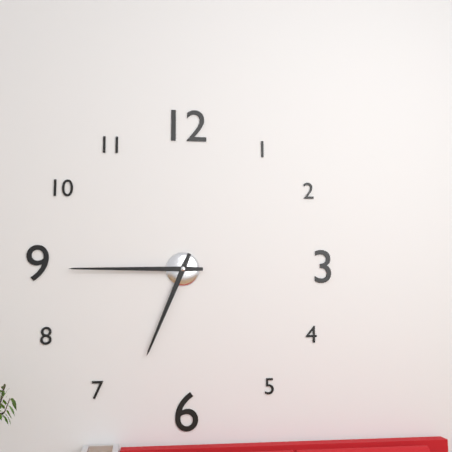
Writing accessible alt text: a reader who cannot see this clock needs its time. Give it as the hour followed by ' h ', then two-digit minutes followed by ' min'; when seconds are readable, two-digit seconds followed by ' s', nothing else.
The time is 6 h 45 min
